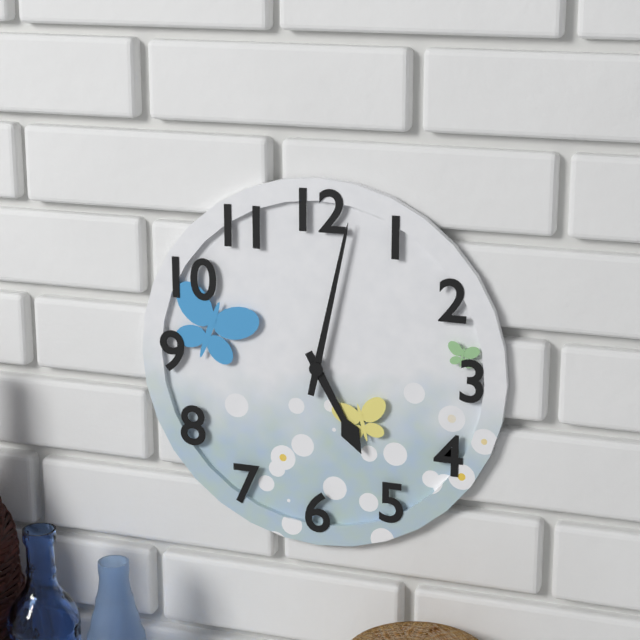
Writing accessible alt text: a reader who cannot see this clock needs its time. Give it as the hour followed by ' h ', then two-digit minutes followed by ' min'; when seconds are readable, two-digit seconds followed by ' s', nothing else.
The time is 5 h 02 min
